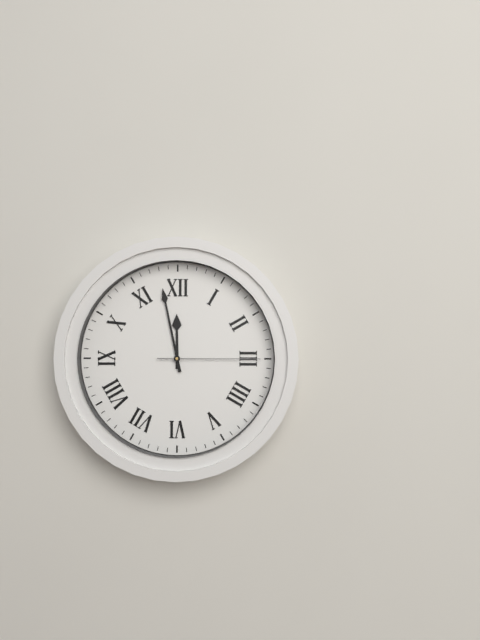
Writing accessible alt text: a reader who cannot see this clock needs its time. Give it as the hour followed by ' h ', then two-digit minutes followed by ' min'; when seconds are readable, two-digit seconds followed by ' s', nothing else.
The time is 11 h 58 min 15 s
